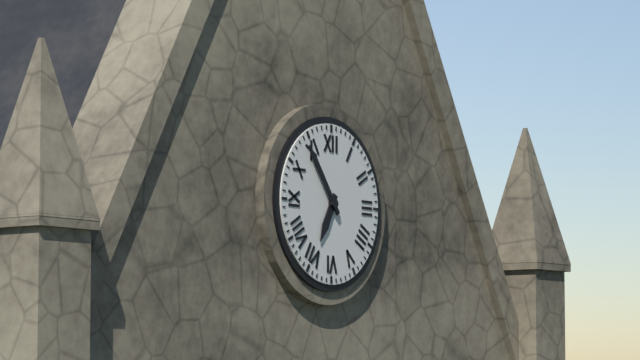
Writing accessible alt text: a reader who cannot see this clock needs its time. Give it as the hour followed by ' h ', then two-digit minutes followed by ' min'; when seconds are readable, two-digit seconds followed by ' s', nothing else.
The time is 6 h 54 min
